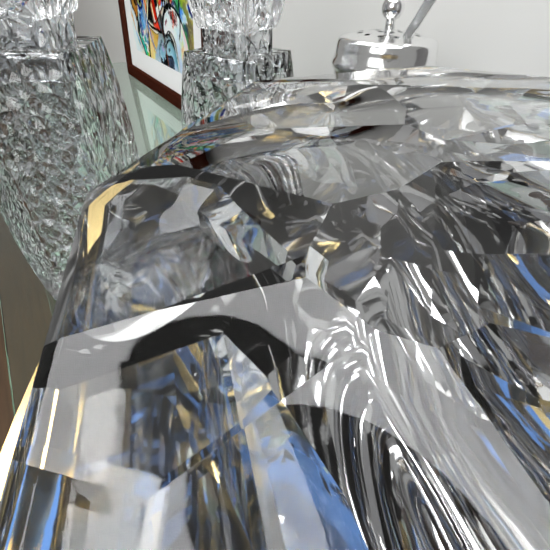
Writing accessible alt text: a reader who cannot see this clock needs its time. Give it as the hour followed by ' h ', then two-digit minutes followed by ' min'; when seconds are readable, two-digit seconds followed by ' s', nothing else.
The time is 8 h 36 min
